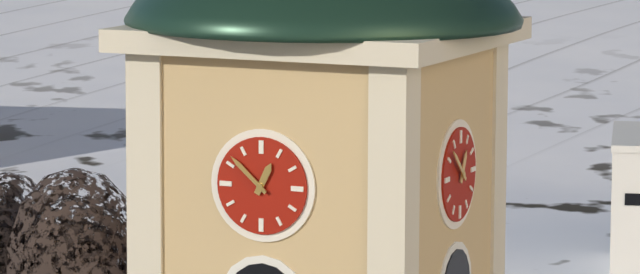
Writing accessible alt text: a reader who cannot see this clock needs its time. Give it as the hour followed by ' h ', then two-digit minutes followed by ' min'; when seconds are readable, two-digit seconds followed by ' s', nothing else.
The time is 12 h 52 min
